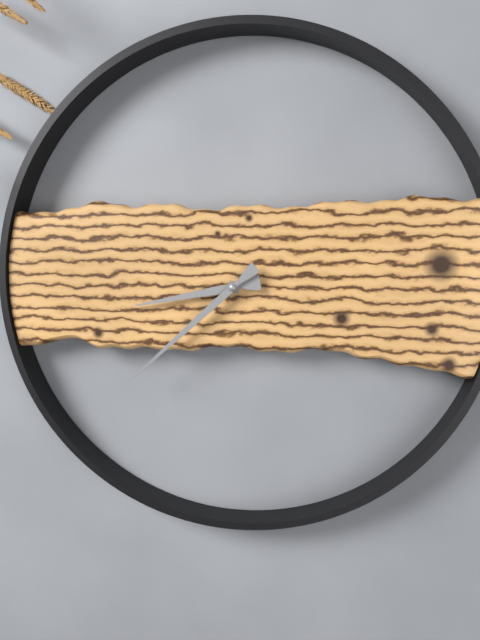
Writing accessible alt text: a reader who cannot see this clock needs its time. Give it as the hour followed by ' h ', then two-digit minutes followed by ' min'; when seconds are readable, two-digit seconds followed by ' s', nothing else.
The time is 8 h 38 min
